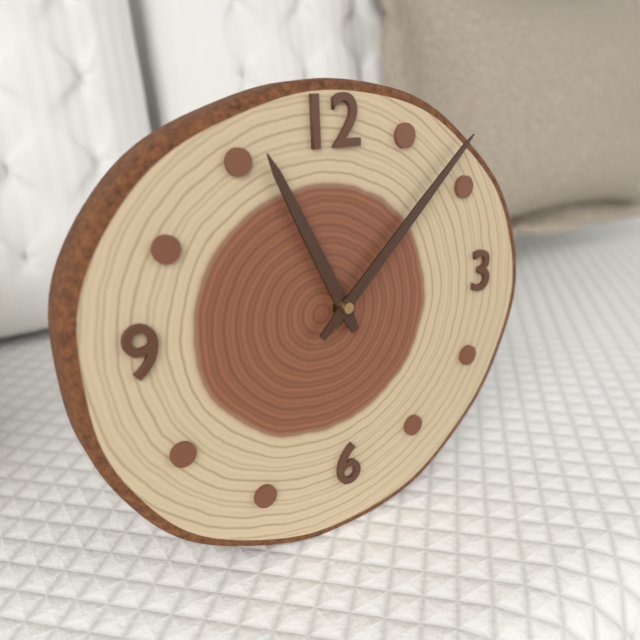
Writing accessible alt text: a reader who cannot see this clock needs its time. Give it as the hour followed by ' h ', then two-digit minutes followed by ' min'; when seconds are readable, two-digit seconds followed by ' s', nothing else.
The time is 11 h 08 min
